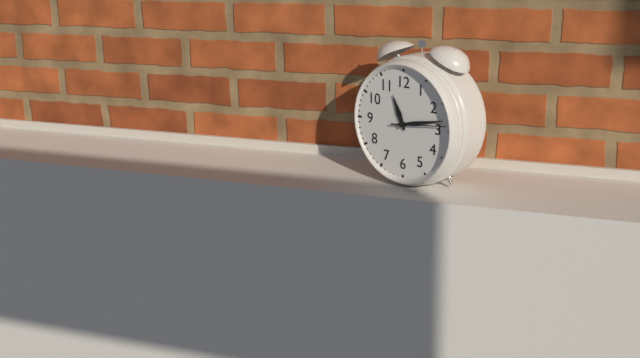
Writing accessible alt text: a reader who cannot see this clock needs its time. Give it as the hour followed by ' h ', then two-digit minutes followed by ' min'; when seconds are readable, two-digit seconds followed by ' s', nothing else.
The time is 11 h 13 min 14 s
